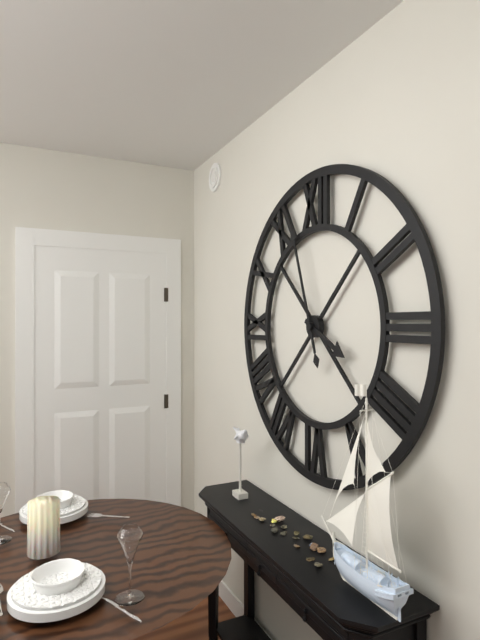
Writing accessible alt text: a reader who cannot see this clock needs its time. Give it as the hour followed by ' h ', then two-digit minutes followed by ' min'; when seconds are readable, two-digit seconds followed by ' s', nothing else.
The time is 3 h 57 min
